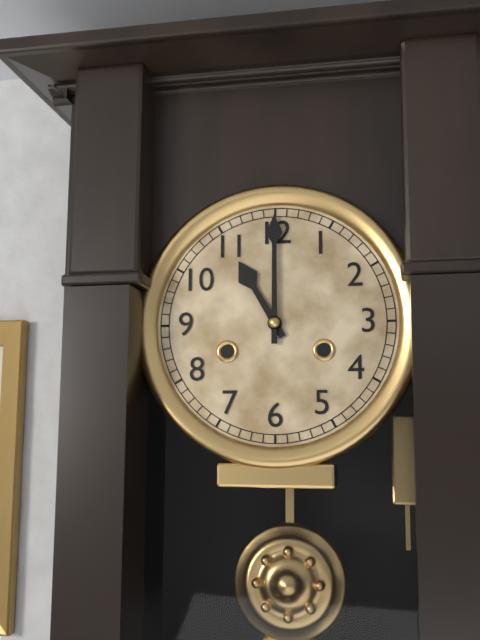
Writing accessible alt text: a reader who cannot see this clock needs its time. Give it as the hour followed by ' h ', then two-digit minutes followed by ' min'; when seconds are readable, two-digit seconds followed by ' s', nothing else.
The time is 11 h 00 min
